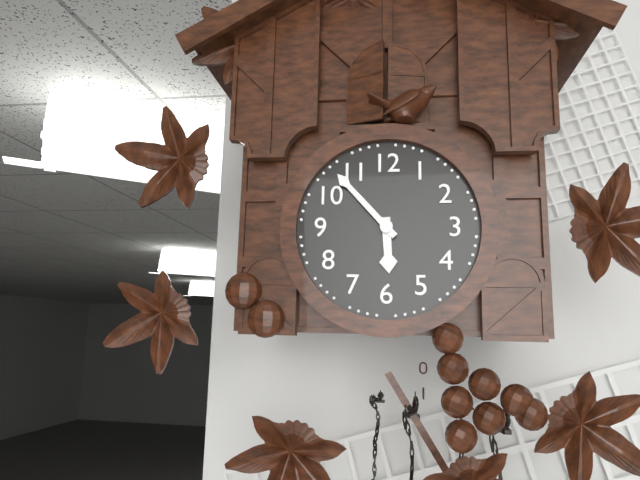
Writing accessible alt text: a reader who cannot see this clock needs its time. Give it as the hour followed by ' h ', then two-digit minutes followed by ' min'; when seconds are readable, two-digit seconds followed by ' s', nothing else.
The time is 5 h 53 min
